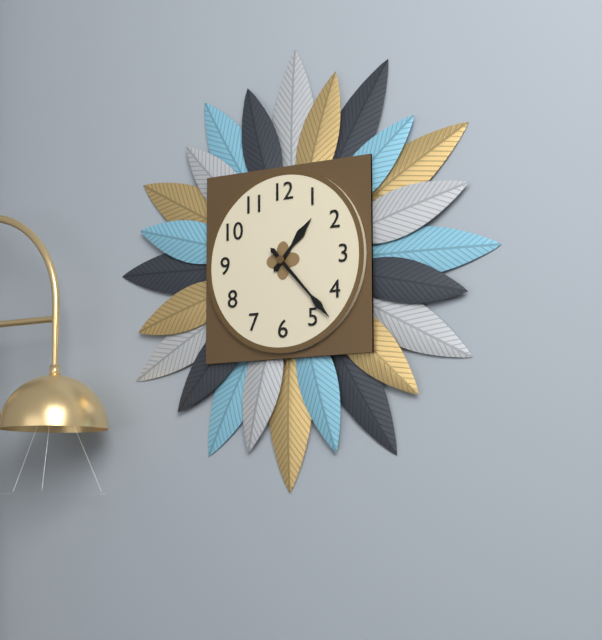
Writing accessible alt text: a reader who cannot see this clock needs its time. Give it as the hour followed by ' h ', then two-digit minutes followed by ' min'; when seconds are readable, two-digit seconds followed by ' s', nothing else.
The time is 1 h 23 min
